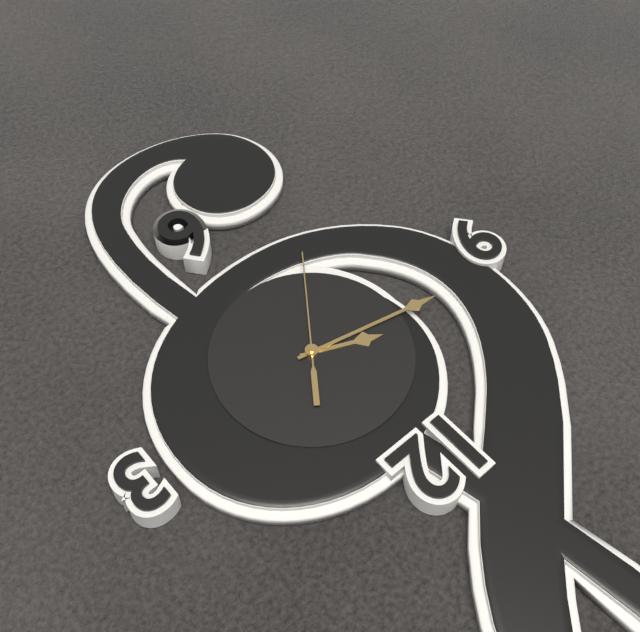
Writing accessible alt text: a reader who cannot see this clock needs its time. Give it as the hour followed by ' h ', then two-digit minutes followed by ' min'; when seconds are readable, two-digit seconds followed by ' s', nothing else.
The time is 9 h 47 min 36 s
